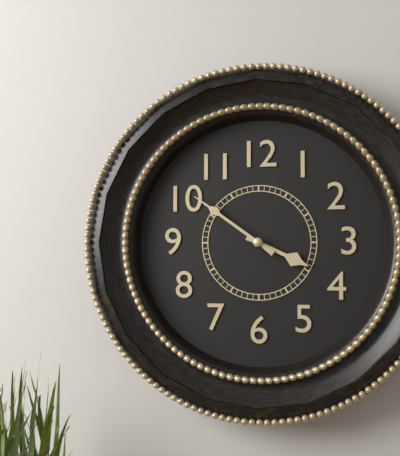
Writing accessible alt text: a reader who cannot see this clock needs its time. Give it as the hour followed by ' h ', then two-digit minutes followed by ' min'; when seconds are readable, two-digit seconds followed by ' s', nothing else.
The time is 3 h 51 min
